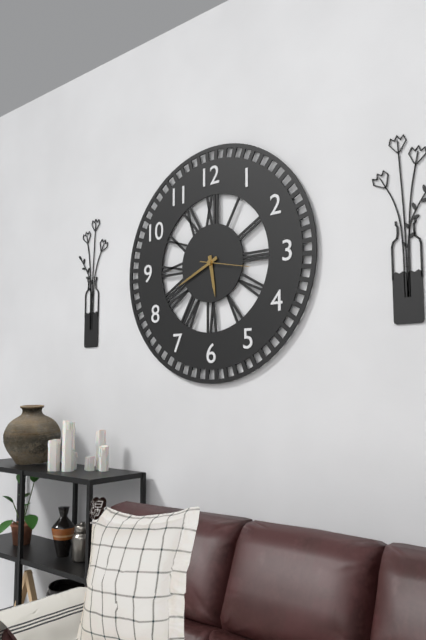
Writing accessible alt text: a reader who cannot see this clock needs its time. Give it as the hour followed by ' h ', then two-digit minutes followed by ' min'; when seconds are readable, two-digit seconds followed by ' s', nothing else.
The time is 5 h 41 min 17 s
